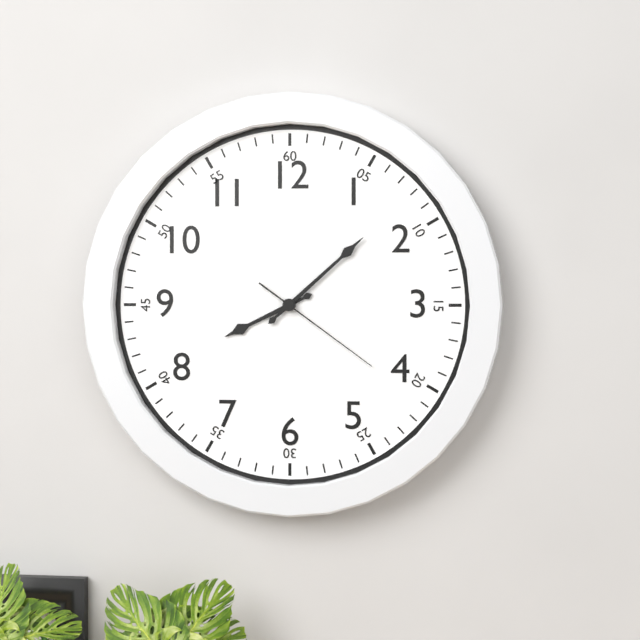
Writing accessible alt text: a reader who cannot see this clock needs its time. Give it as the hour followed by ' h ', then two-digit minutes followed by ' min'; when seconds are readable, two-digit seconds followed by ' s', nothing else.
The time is 8 h 08 min 21 s
